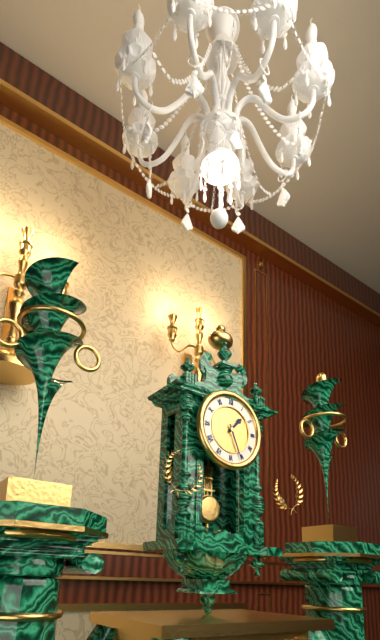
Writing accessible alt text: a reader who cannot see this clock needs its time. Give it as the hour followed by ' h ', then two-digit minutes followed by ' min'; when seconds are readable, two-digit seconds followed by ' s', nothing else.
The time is 1 h 26 min
